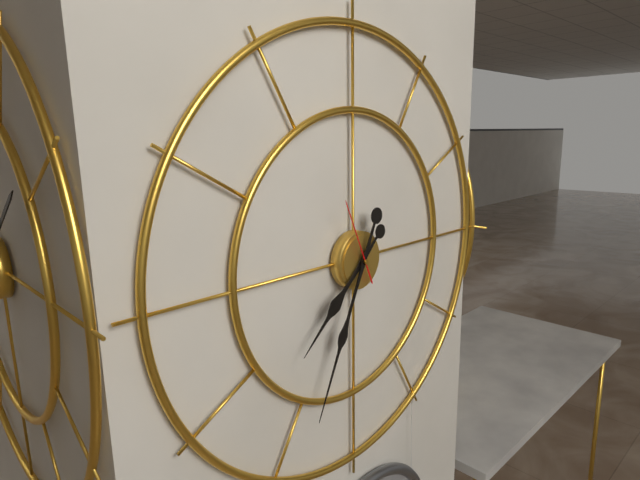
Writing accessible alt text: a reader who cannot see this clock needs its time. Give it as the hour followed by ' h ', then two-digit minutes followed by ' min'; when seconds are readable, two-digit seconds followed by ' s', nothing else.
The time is 7 h 34 min 56 s
